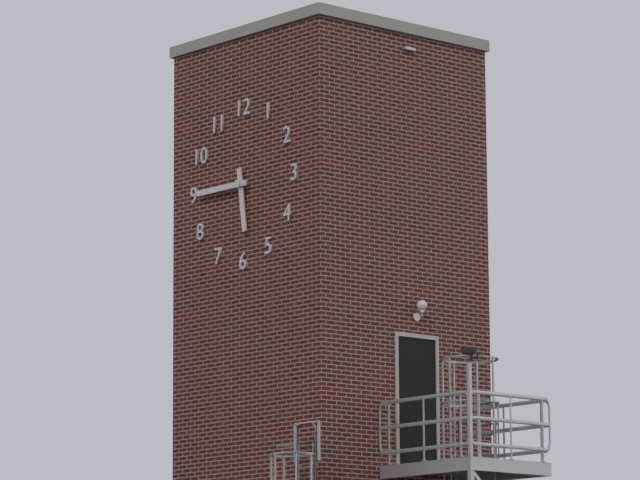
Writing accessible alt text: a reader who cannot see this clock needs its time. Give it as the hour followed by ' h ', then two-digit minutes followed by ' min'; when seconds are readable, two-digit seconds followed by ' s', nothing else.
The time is 5 h 45 min
